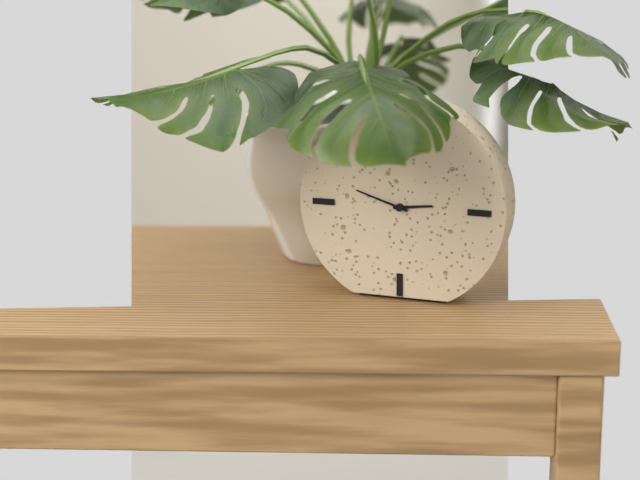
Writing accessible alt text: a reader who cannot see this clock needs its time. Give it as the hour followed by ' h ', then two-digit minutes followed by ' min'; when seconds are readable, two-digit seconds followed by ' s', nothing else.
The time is 2 h 48 min
